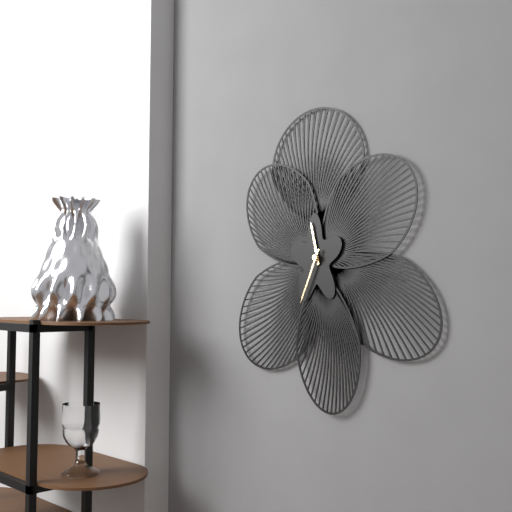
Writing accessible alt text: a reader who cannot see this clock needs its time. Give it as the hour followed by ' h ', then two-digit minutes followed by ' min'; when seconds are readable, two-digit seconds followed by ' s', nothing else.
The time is 11 h 34 min
